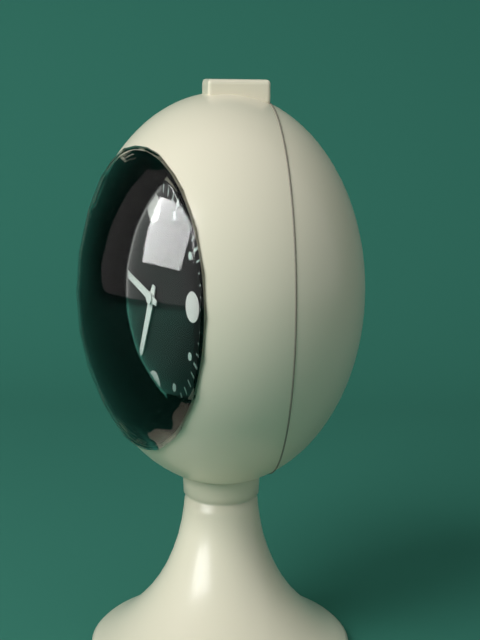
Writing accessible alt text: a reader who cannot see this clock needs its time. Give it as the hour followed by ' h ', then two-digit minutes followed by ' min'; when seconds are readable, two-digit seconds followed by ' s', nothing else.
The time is 6 h 48 min
